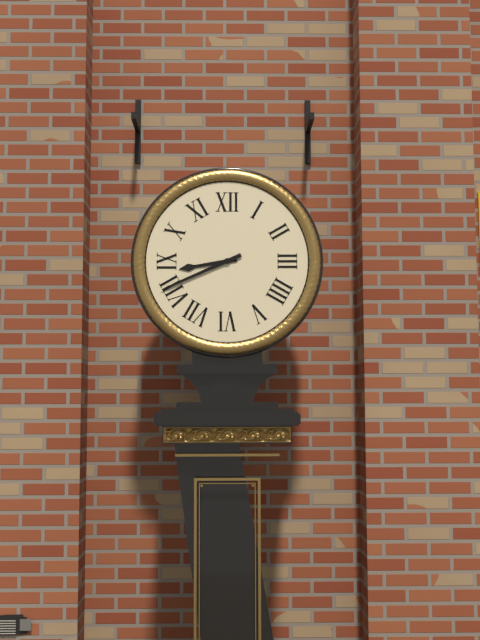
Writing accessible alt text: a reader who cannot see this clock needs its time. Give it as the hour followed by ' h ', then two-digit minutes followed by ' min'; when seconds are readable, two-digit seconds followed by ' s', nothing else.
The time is 8 h 41 min
